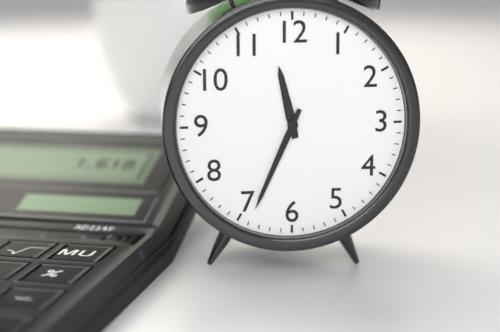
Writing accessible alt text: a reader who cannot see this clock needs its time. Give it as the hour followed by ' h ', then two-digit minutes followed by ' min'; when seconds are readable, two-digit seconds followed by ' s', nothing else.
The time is 11 h 34 min
